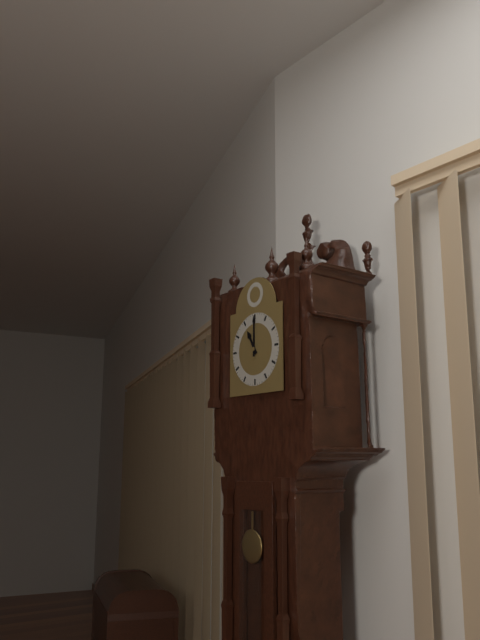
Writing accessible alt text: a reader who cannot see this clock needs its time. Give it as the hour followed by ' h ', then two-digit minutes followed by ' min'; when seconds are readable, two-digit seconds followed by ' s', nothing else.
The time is 11 h 00 min
